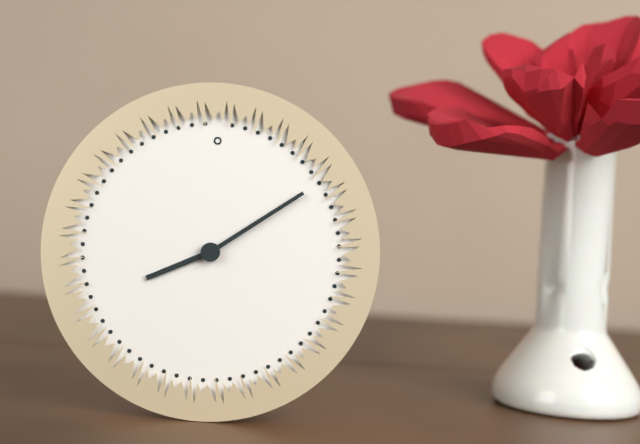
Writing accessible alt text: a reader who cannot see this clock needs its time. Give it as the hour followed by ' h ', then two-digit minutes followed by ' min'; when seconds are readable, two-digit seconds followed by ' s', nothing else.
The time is 8 h 09 min
